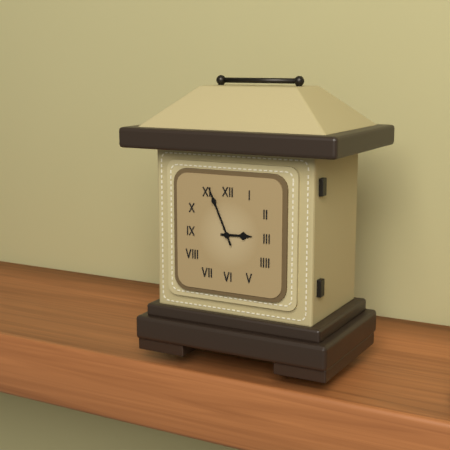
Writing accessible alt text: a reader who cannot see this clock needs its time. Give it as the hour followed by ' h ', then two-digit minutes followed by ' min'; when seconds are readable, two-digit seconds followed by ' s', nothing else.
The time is 2 h 56 min
